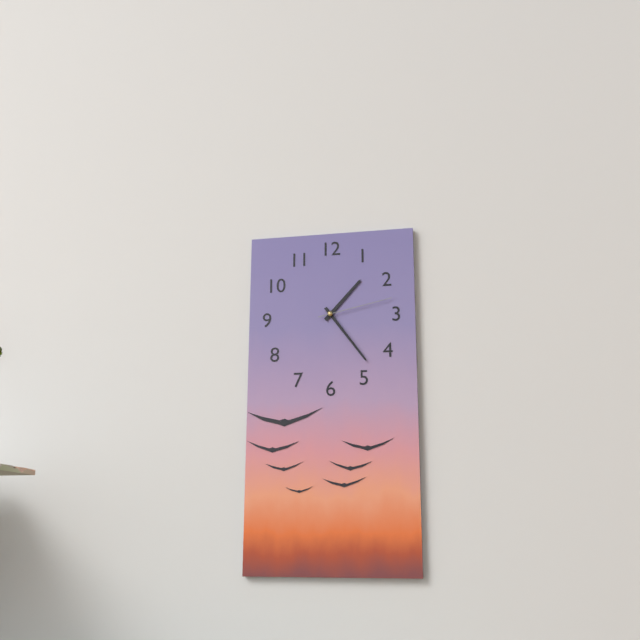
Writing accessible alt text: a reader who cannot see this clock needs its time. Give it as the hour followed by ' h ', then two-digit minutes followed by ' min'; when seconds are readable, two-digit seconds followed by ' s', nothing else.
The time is 1 h 24 min 13 s
